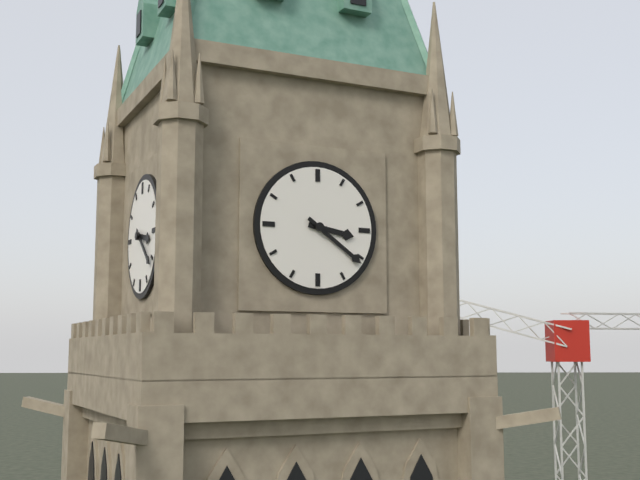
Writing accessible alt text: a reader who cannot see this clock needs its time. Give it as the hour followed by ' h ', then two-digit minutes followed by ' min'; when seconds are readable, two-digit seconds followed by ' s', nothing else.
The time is 3 h 21 min
